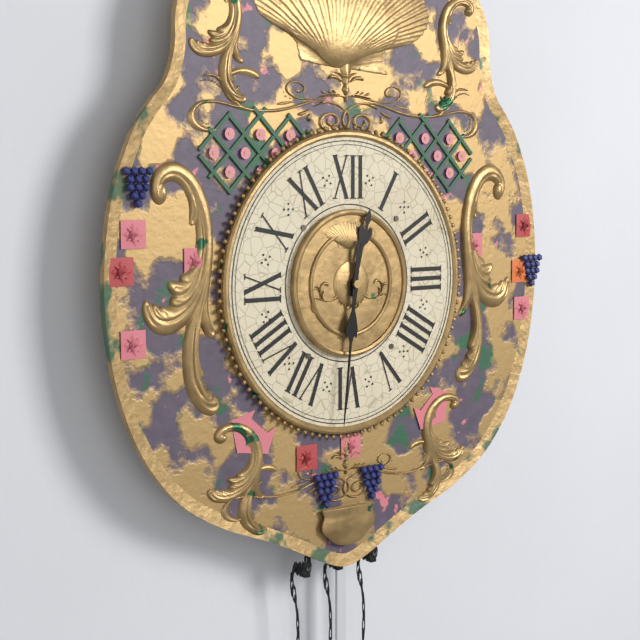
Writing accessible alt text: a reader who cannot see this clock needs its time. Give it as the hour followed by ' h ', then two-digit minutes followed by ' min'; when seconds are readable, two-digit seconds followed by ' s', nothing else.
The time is 12 h 31 min
